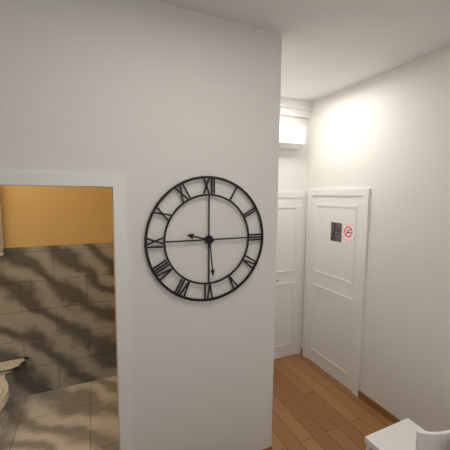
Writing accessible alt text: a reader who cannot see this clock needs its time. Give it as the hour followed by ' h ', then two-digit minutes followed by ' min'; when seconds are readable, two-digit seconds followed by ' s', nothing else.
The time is 9 h 29 min
